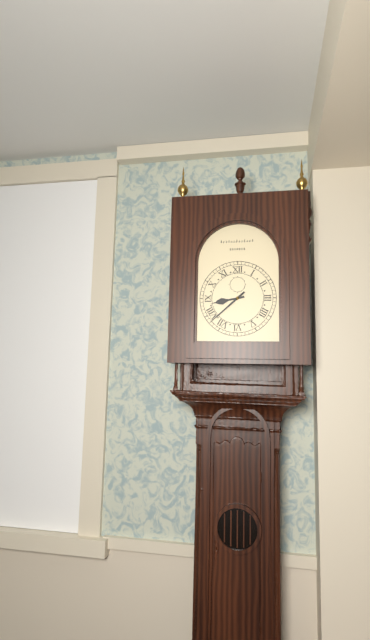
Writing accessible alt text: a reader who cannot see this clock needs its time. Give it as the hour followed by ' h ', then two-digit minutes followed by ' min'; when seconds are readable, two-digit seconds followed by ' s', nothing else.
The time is 8 h 38 min
